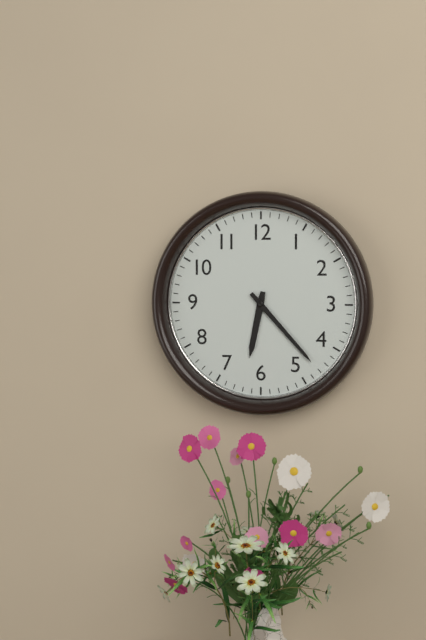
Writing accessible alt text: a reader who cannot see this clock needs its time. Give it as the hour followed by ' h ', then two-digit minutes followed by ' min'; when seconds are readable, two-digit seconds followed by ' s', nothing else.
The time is 6 h 23 min
